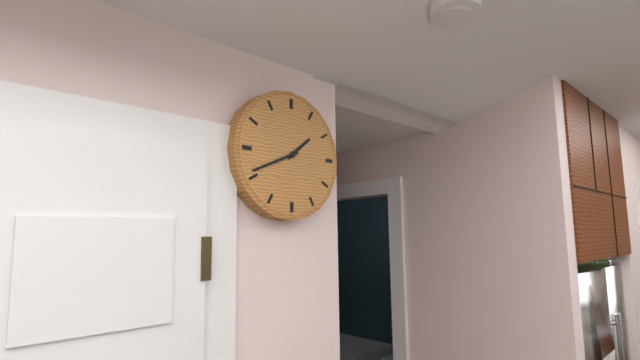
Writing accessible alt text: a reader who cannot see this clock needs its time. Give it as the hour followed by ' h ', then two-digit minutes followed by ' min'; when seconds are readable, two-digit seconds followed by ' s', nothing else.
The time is 1 h 41 min
